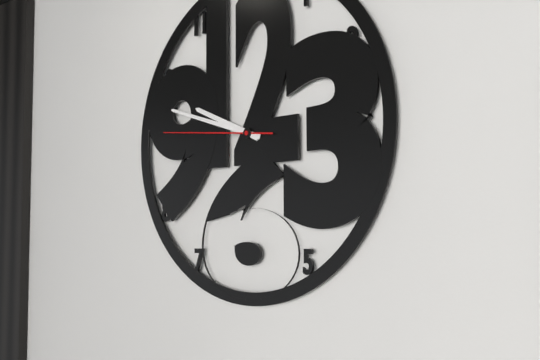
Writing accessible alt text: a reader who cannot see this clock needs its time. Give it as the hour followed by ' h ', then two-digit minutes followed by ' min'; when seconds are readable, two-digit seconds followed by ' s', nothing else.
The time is 9 h 48 min 46 s
